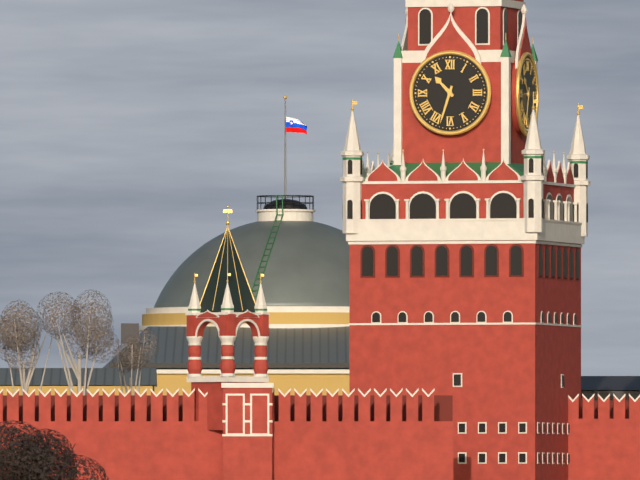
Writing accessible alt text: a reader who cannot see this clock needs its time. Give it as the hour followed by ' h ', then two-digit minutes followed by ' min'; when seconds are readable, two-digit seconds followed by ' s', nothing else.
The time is 10 h 33 min
